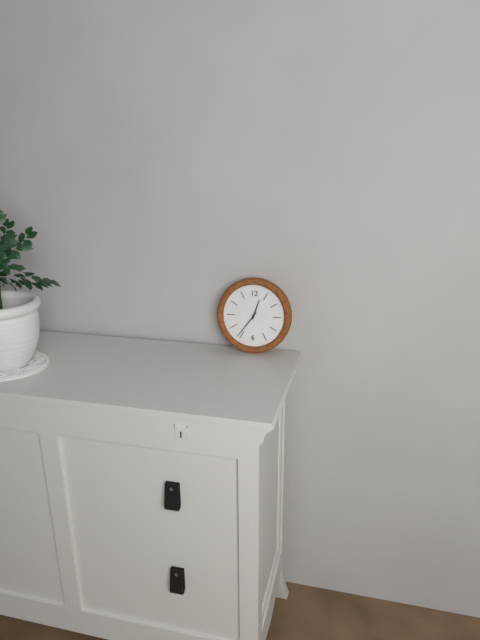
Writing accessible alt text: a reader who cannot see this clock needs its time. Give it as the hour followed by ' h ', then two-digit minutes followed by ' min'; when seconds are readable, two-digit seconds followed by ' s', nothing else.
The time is 12 h 36 min
